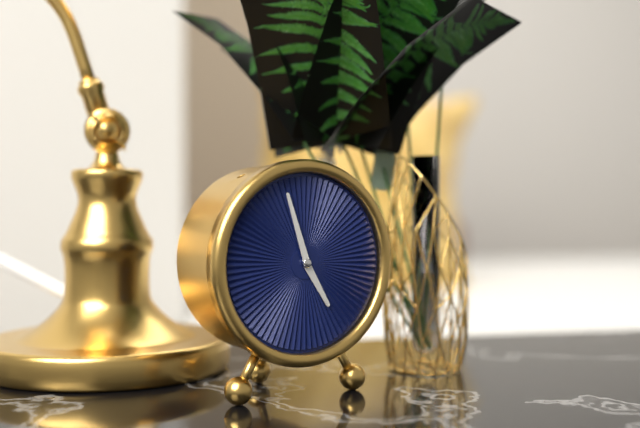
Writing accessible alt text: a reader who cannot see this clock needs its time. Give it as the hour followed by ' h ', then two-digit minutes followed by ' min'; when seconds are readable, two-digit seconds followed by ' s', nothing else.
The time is 4 h 57 min
